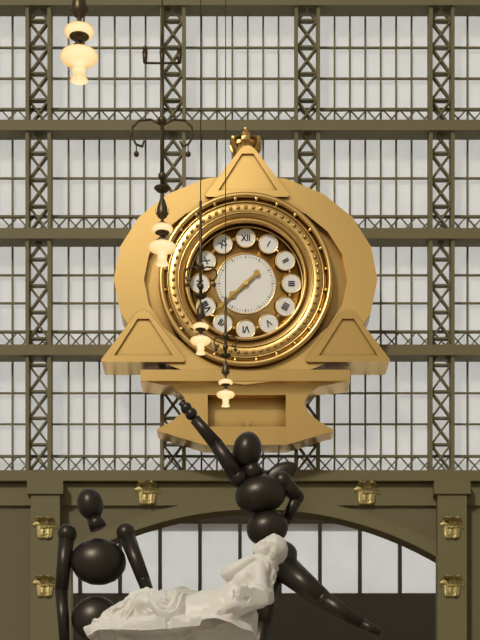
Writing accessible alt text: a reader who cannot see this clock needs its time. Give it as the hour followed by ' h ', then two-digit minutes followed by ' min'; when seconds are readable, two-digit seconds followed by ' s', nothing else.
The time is 7 h 38 min
